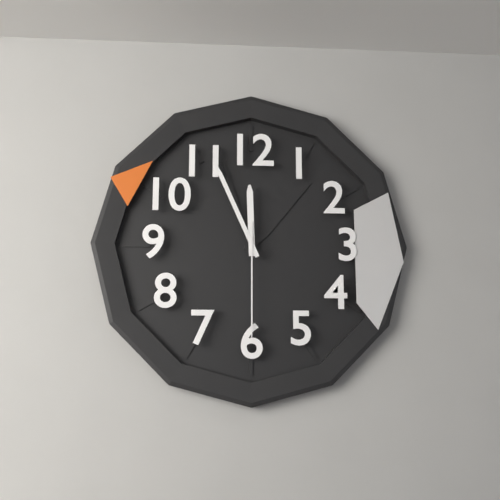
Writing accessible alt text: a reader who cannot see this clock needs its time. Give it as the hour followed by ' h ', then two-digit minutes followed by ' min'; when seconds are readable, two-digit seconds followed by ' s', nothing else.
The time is 11 h 56 min 30 s
